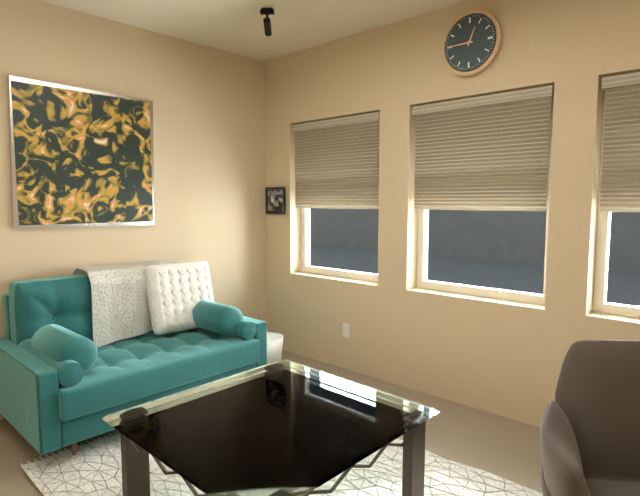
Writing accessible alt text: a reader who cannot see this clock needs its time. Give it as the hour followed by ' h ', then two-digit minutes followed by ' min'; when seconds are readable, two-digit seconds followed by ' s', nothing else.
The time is 12 h 45 min
